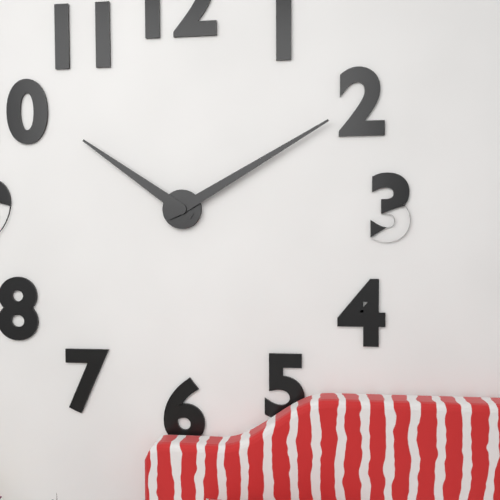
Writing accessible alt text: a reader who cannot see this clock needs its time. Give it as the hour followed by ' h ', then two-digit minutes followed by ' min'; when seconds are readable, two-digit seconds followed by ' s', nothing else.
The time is 10 h 10 min
